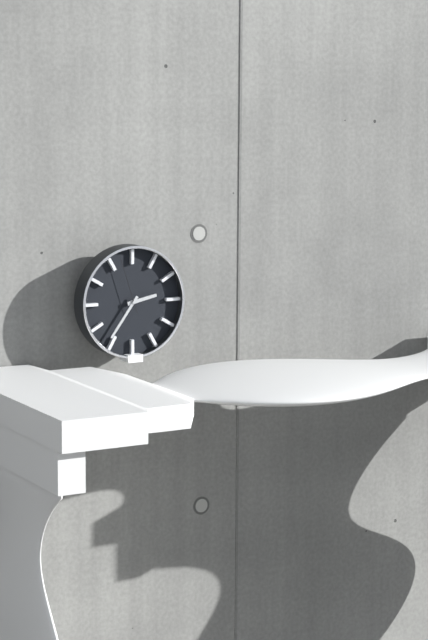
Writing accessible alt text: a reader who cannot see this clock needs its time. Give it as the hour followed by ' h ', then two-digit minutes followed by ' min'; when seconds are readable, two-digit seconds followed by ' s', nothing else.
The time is 2 h 36 min 57 s
